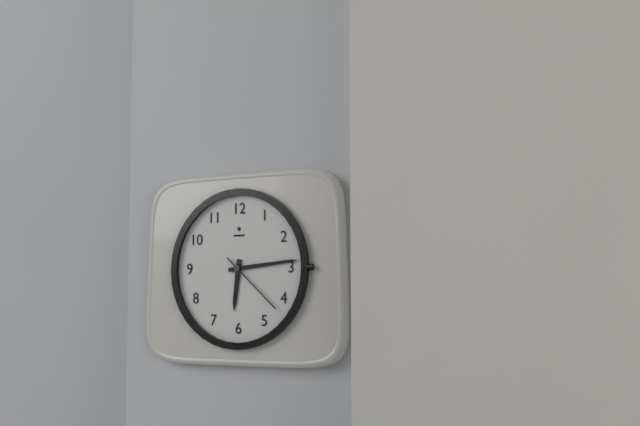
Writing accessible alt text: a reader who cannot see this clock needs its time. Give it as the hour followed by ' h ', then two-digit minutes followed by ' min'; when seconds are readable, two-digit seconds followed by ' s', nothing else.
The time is 6 h 14 min 22 s
